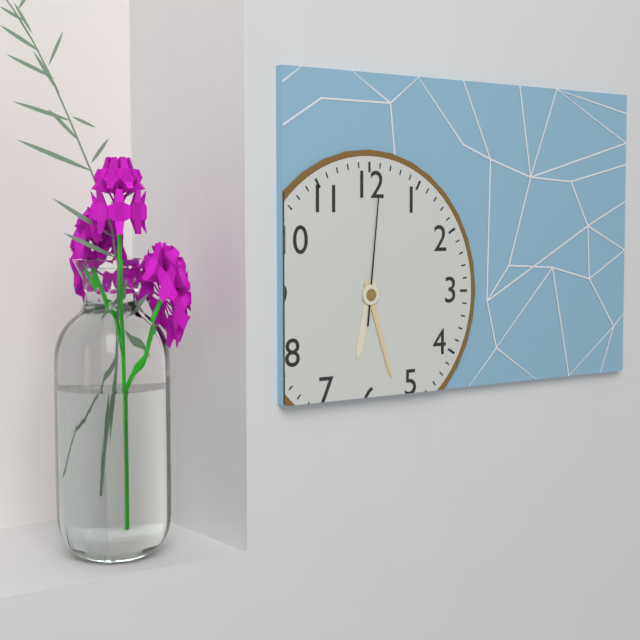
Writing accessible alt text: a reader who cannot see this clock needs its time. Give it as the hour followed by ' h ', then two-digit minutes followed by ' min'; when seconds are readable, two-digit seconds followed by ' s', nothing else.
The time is 6 h 27 min 01 s
